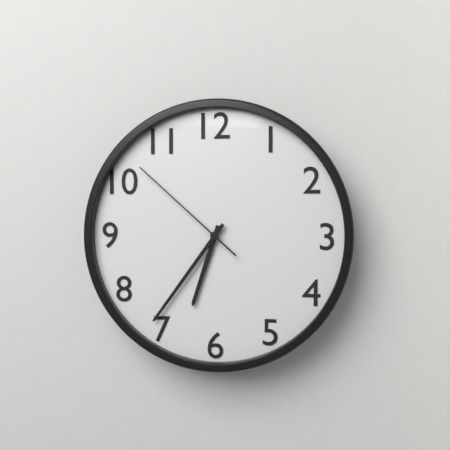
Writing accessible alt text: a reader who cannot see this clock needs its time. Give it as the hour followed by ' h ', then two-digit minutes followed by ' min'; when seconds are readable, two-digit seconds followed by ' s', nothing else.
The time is 6 h 36 min 52 s
